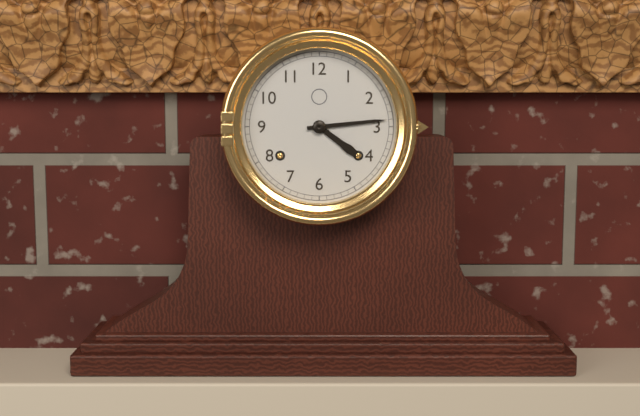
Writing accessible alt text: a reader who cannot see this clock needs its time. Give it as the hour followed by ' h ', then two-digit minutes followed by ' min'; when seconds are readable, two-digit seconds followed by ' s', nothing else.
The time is 4 h 14 min
